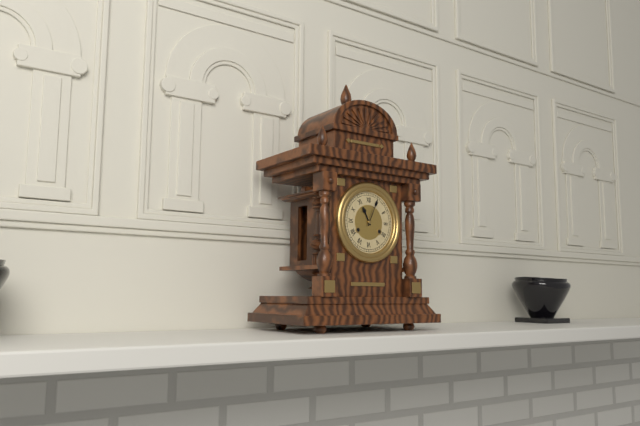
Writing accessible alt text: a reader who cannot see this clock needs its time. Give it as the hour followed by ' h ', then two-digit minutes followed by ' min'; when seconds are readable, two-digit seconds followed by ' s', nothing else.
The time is 11 h 04 min
